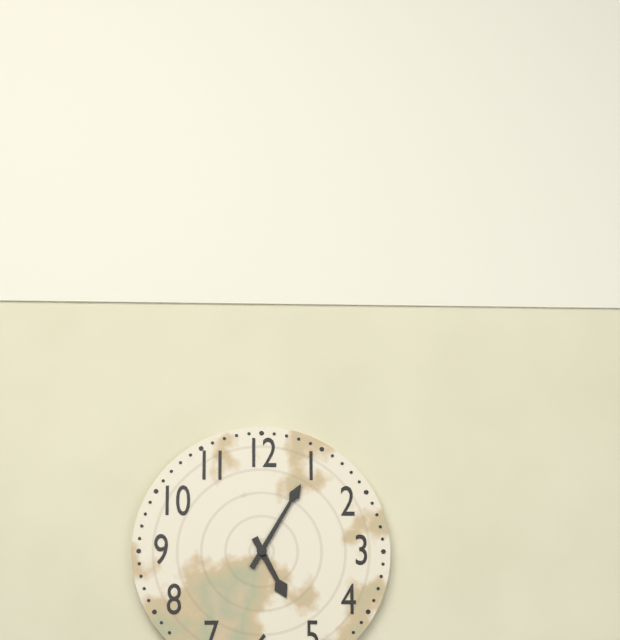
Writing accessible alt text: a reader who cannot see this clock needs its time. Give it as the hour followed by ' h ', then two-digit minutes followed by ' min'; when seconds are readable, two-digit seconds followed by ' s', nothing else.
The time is 5 h 05 min
